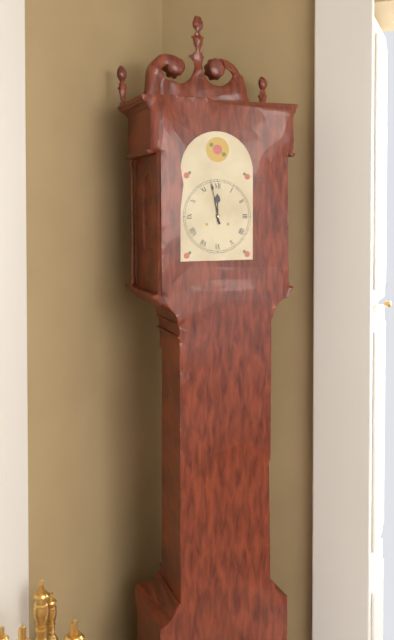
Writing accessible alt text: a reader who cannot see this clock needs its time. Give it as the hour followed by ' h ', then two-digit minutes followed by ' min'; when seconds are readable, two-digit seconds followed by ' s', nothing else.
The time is 11 h 58 min
